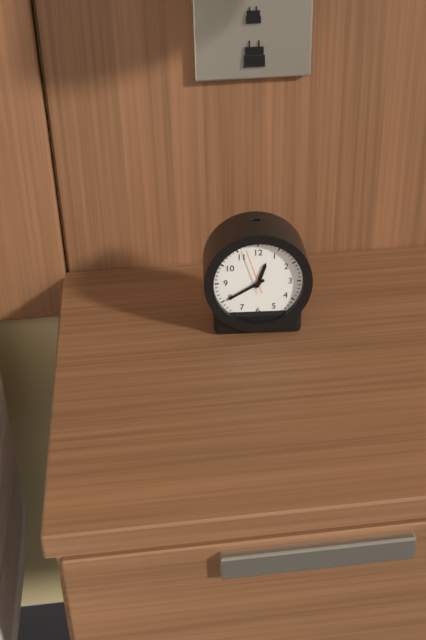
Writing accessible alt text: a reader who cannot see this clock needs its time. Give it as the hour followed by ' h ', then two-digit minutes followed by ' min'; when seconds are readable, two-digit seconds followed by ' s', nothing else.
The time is 12 h 40 min
